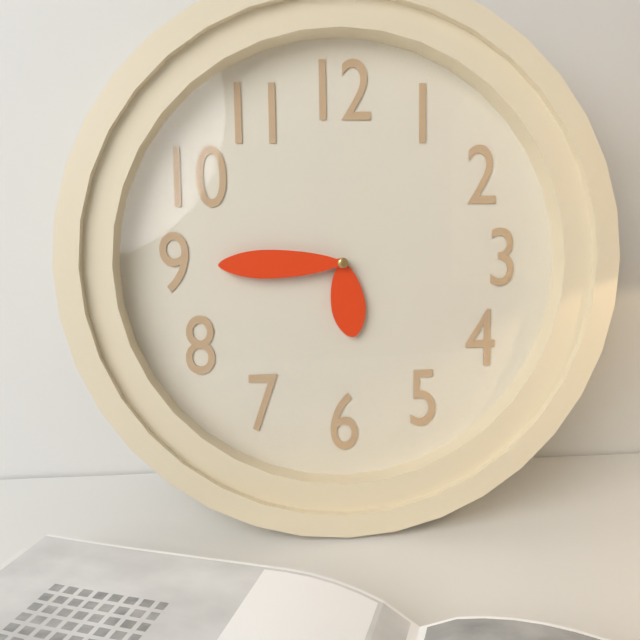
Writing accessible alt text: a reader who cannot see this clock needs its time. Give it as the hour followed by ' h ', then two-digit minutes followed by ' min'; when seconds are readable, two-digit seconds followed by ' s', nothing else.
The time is 5 h 45 min
